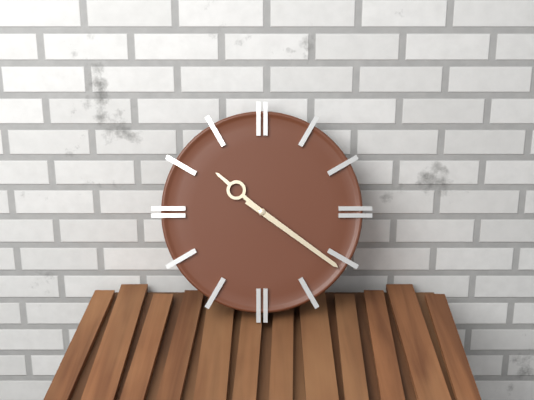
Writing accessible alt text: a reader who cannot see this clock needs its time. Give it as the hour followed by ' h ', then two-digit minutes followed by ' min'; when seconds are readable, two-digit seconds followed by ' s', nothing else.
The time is 10 h 21 min
